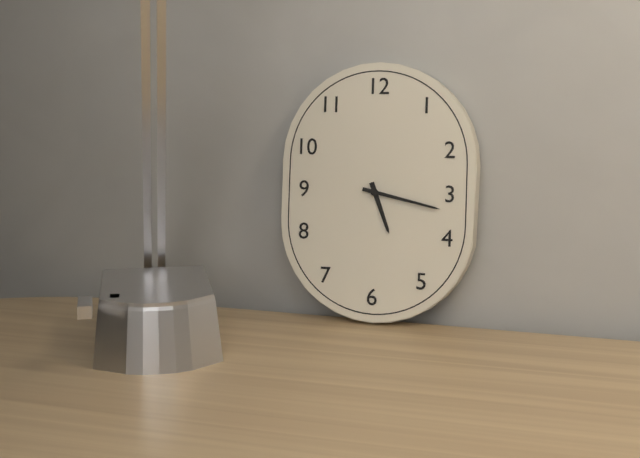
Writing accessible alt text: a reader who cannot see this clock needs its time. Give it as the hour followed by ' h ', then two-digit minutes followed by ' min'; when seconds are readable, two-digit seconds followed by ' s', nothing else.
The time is 5 h 17 min
